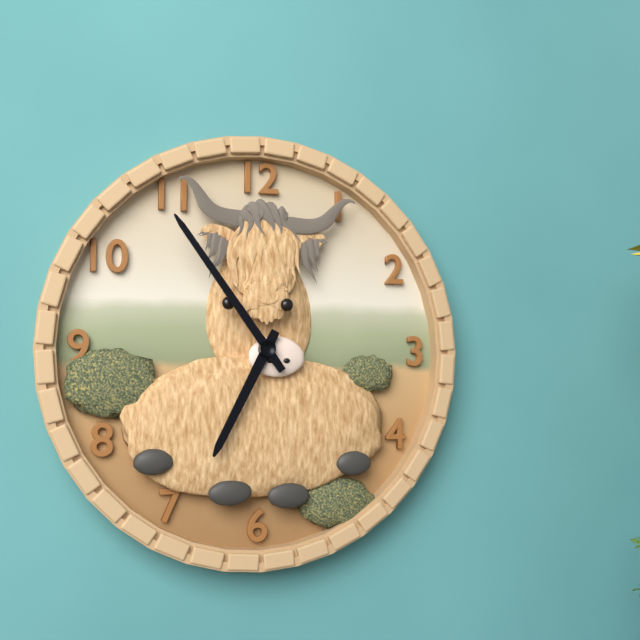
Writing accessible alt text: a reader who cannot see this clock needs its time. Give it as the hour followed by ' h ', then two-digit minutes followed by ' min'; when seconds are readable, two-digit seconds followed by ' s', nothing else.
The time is 6 h 54 min
